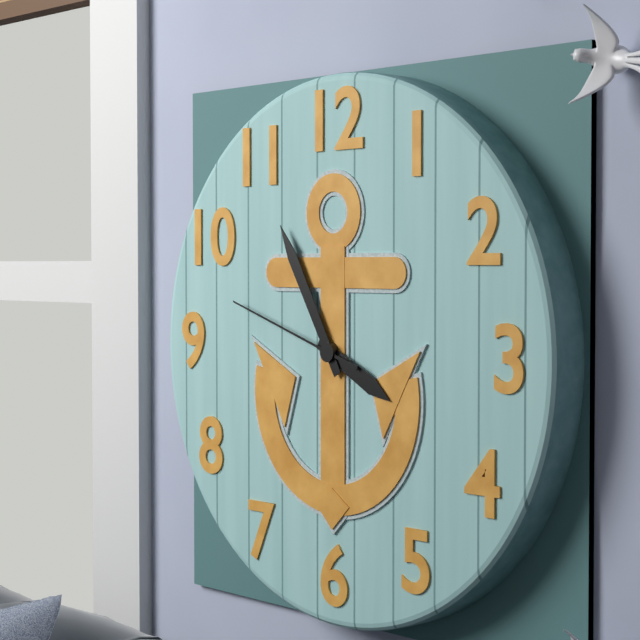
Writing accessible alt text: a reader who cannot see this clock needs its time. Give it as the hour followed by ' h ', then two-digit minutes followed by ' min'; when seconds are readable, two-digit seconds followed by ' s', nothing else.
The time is 3 h 55 min 48 s
